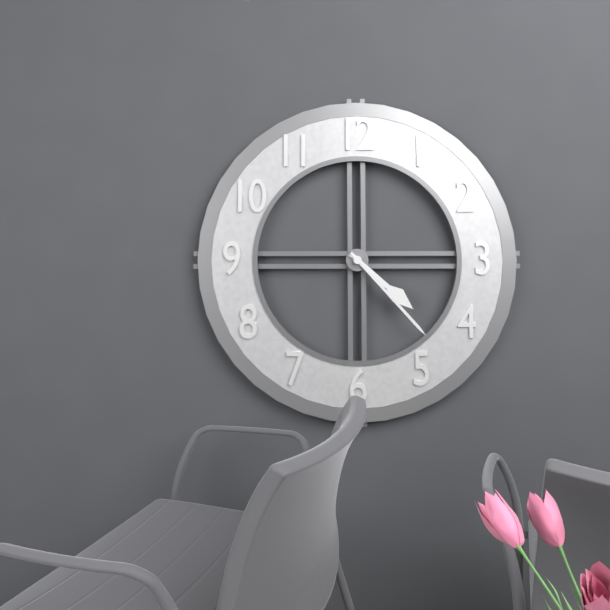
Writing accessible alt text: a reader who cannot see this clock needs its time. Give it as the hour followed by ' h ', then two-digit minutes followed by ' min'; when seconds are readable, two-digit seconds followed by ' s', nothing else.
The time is 4 h 23 min
